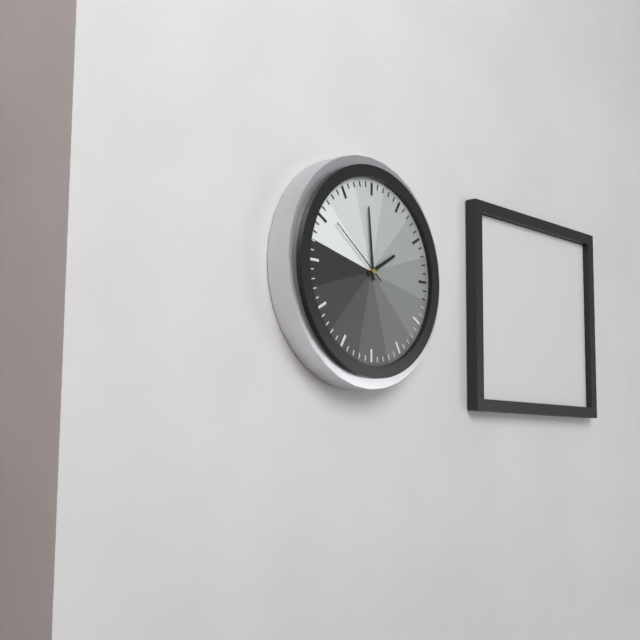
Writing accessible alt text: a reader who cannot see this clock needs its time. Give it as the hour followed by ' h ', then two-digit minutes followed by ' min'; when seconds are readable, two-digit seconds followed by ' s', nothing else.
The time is 1 h 59 min 51 s
